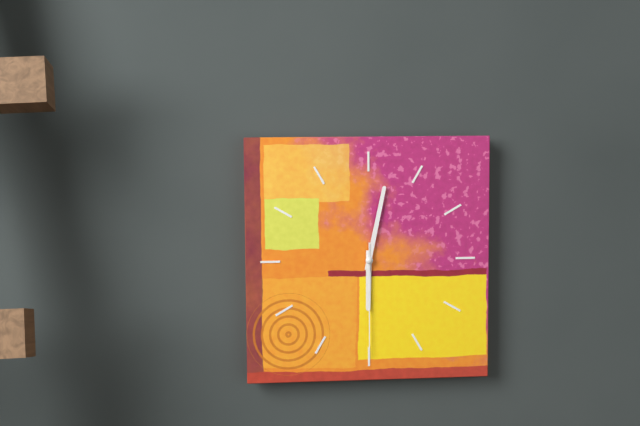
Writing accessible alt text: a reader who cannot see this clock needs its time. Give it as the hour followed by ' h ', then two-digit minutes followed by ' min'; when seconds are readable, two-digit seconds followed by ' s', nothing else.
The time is 6 h 02 min 30 s
